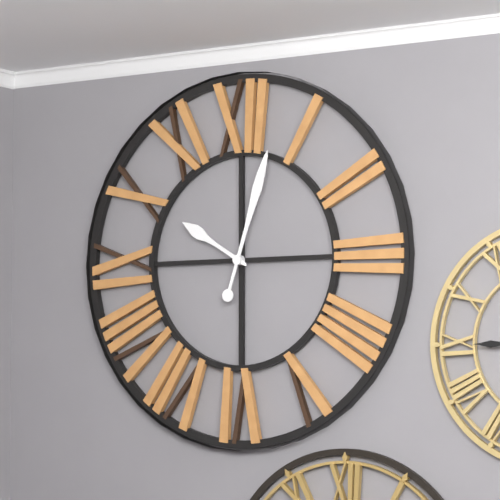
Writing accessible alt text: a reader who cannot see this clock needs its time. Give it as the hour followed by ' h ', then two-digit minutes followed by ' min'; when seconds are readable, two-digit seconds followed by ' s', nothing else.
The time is 10 h 03 min
